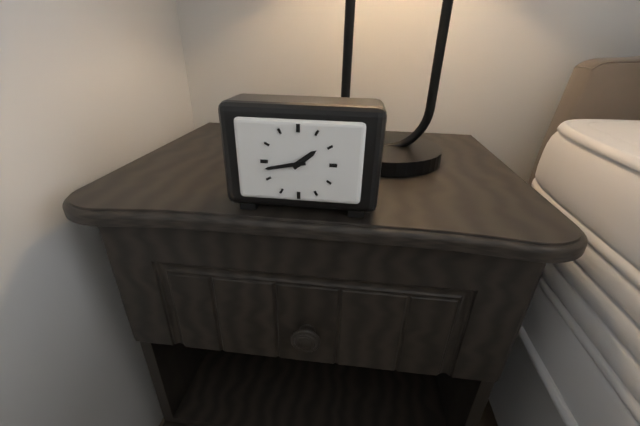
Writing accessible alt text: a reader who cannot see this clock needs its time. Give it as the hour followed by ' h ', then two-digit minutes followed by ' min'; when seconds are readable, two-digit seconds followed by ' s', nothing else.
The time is 1 h 43 min
